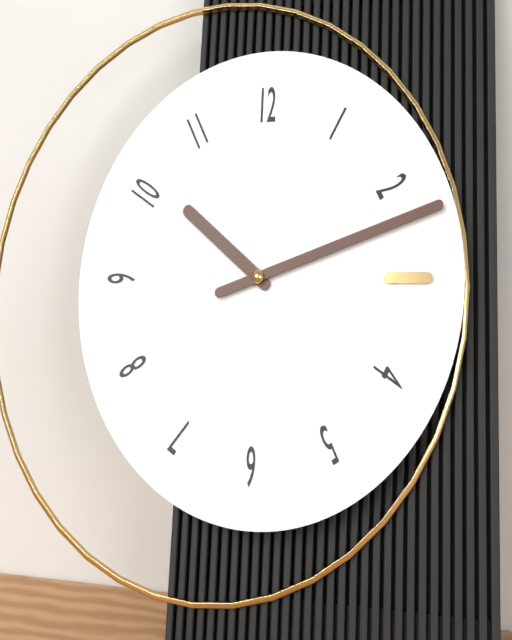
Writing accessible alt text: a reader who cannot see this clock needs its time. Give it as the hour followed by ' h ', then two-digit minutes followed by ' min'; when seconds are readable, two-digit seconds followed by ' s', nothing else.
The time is 10 h 12 min
